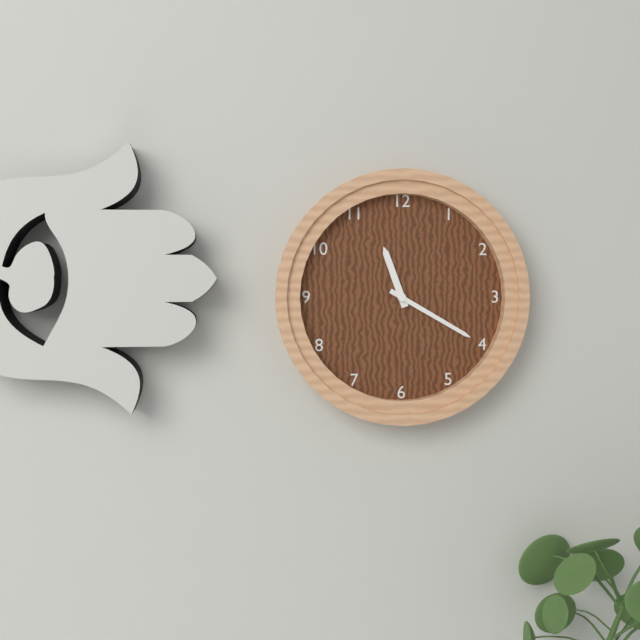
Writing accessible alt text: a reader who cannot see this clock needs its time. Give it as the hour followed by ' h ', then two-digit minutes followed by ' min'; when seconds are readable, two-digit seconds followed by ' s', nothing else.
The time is 11 h 20 min
